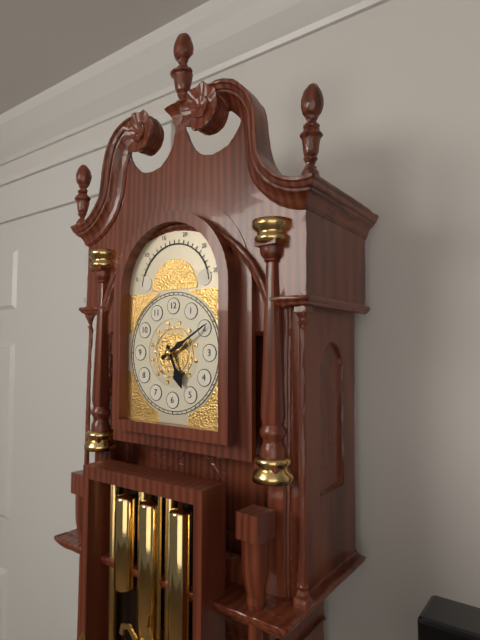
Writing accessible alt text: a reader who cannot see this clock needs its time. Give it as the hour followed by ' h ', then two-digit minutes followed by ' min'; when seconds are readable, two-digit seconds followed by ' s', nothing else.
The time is 5 h 10 min
